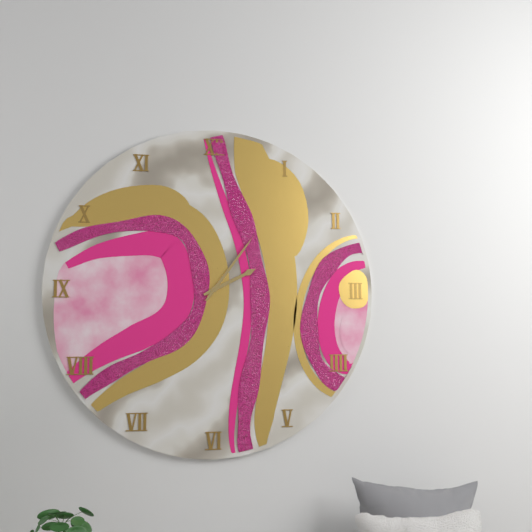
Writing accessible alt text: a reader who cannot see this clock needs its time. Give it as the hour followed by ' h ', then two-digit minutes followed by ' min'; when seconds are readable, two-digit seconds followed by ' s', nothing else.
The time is 2 h 06 min
